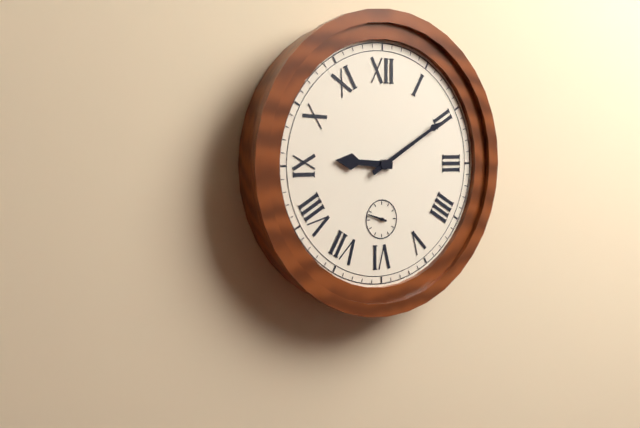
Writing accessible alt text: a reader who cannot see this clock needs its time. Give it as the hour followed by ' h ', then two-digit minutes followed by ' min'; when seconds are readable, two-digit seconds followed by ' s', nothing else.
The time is 9 h 10 min
